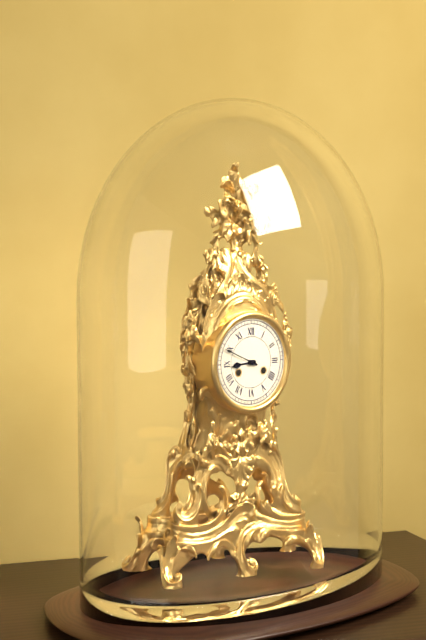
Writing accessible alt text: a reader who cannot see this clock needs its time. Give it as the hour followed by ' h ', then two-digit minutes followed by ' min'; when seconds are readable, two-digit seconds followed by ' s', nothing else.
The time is 8 h 49 min
